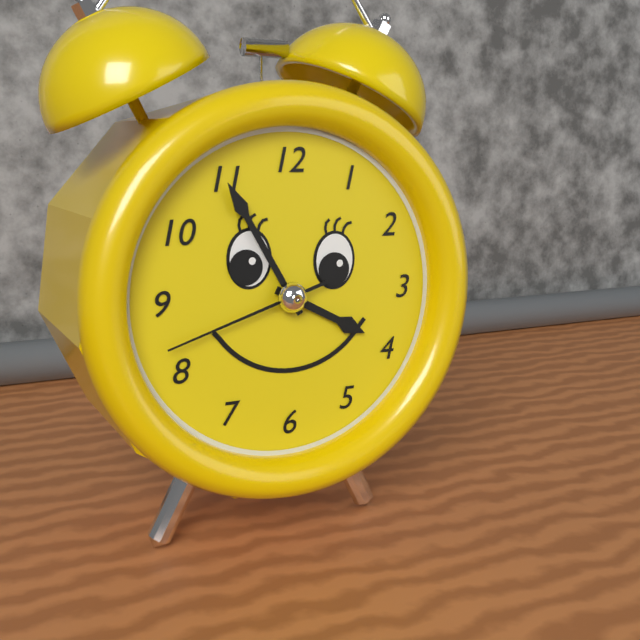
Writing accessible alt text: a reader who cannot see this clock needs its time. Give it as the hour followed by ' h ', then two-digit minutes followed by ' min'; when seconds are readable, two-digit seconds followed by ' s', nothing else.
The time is 3 h 55 min 42 s
